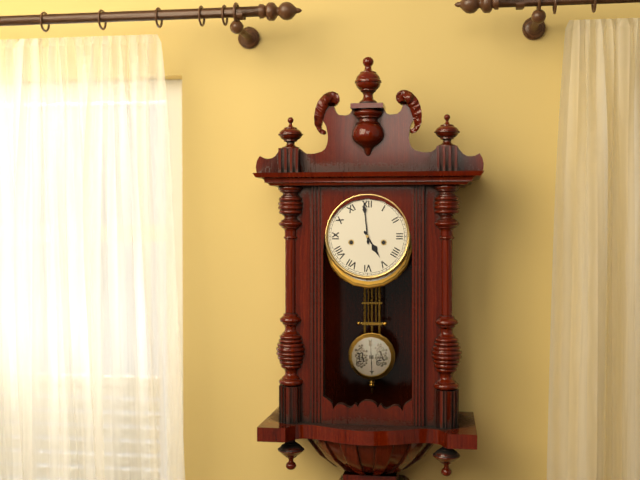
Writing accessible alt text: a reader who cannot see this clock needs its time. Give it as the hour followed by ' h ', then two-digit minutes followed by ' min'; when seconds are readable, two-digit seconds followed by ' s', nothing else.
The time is 4 h 59 min
